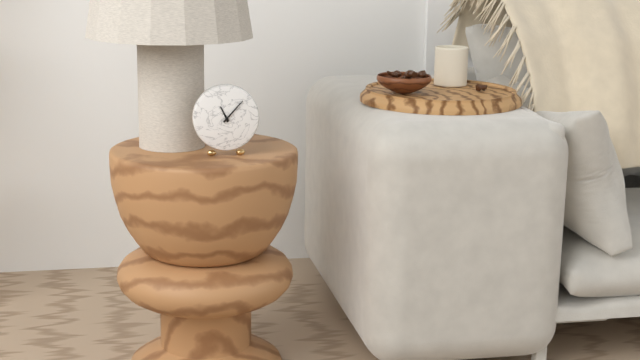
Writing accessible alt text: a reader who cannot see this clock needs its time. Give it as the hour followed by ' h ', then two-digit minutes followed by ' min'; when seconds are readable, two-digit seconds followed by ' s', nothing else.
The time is 11 h 07 min
